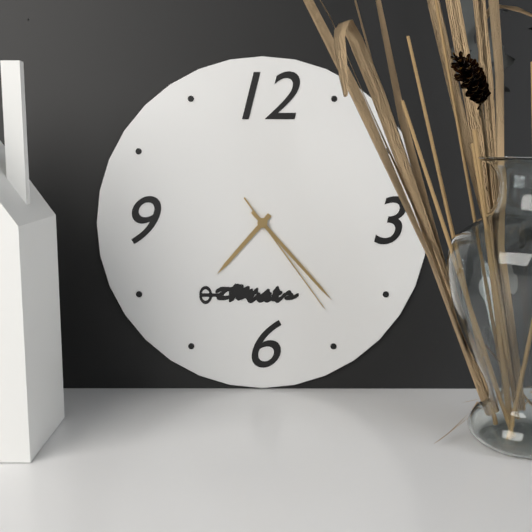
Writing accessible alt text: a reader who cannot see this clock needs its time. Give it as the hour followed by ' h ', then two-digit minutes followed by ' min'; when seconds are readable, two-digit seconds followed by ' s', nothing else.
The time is 7 h 23 min 24 s
